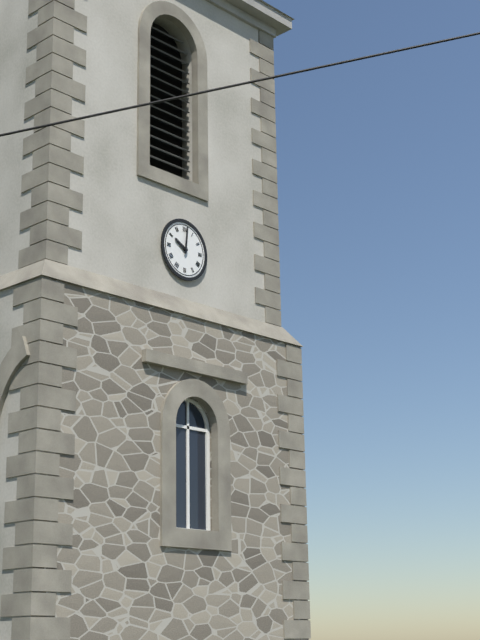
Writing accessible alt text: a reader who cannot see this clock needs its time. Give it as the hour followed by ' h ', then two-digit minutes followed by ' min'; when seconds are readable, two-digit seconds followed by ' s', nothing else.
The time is 10 h 01 min
